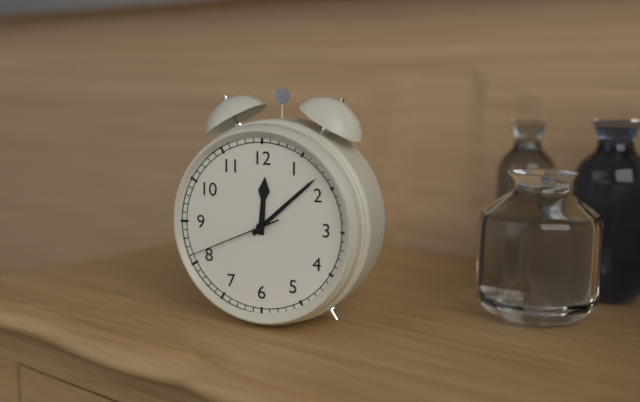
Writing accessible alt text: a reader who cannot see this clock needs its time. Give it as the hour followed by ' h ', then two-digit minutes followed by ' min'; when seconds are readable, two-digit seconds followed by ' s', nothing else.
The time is 12 h 08 min 41 s
